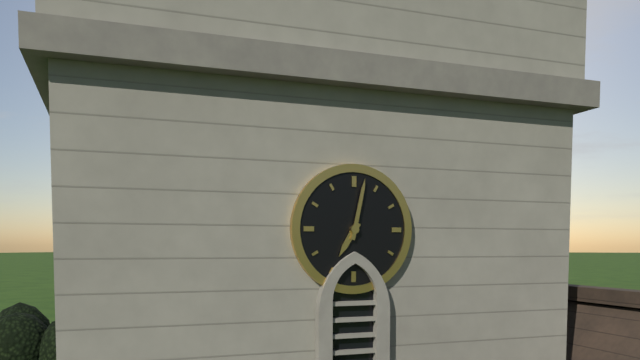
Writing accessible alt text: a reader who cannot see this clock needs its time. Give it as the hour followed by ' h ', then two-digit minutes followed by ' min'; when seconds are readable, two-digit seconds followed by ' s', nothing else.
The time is 7 h 02 min
